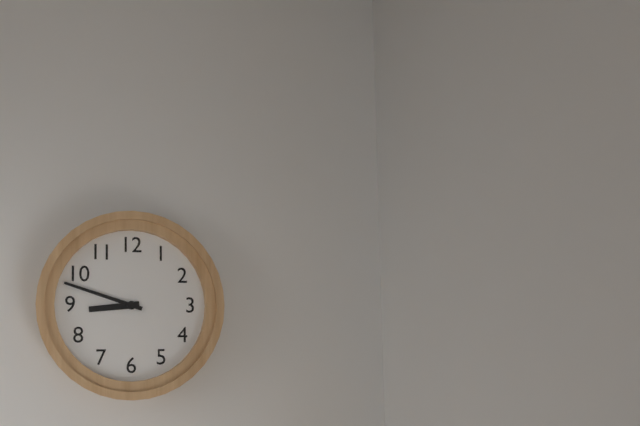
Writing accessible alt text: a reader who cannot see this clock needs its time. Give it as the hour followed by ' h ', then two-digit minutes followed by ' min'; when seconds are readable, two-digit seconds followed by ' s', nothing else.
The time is 8 h 48 min
